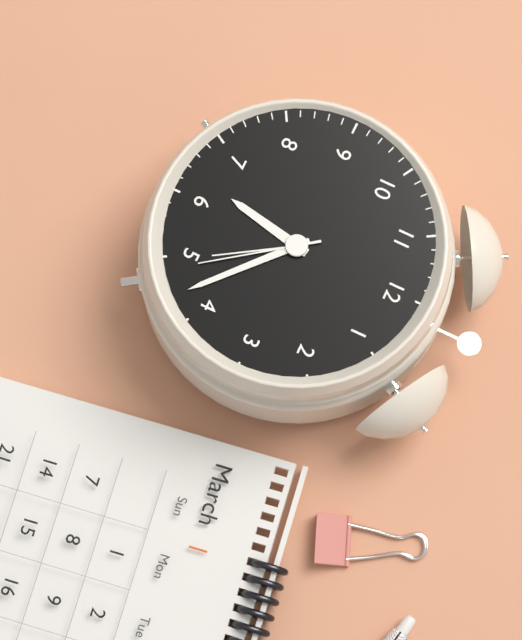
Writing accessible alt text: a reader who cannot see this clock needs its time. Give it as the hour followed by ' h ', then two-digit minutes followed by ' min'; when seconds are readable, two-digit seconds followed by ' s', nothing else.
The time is 6 h 22 min 24 s
